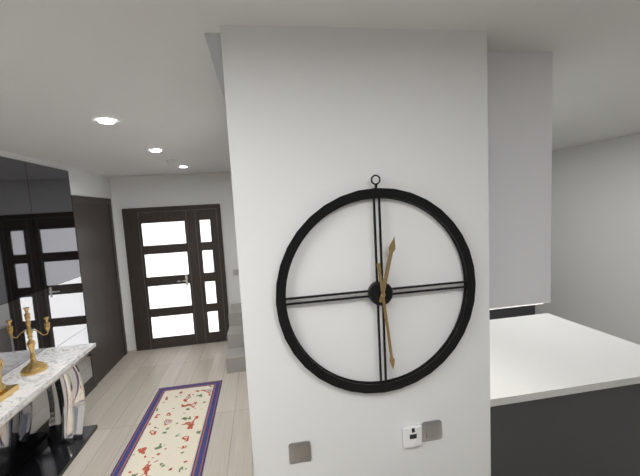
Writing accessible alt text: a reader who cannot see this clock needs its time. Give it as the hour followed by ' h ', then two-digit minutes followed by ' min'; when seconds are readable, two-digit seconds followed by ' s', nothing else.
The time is 12 h 29 min
